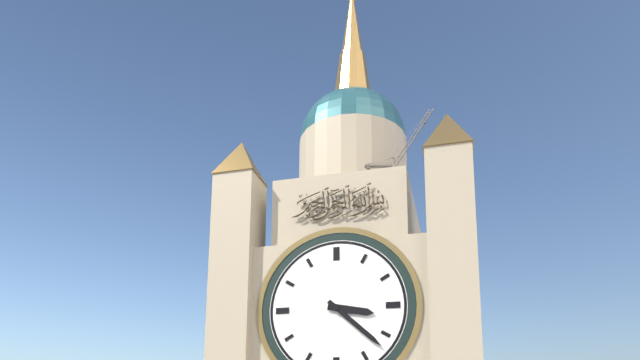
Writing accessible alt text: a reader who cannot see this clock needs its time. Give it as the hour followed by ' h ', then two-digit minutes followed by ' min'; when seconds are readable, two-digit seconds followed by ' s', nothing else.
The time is 3 h 22 min
